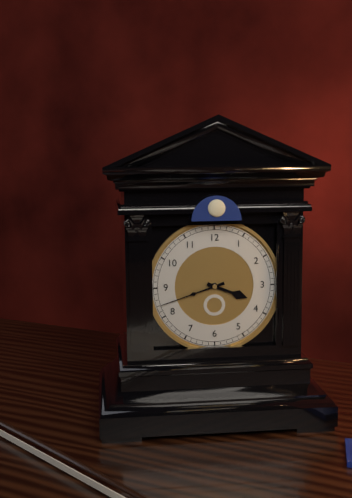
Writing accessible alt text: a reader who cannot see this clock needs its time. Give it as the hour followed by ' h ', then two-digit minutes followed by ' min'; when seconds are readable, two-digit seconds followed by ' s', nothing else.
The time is 3 h 42 min
